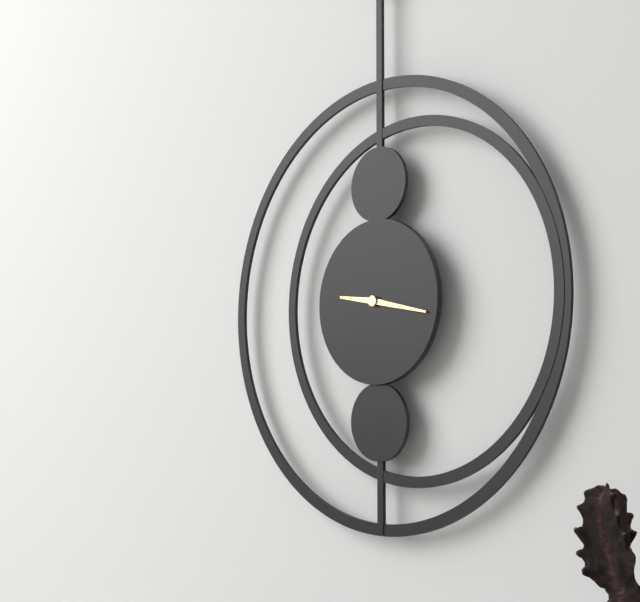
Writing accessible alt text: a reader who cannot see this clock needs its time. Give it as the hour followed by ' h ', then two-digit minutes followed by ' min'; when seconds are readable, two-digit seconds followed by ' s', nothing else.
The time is 9 h 17 min
